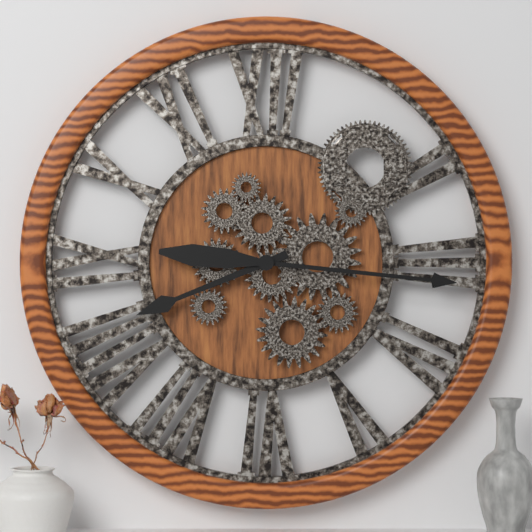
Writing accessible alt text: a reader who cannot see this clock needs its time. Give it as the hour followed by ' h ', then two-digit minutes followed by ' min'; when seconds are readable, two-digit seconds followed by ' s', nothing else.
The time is 8 h 16 min
